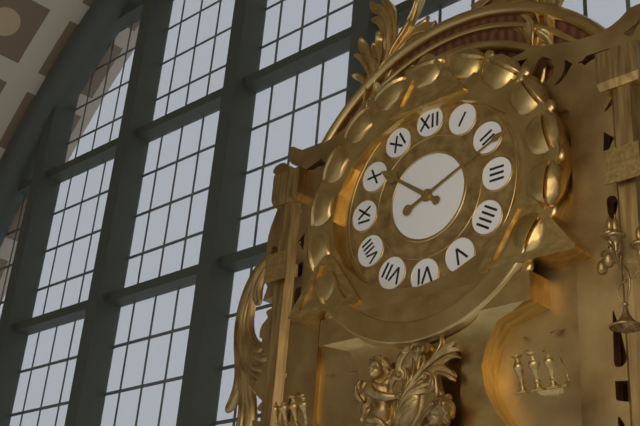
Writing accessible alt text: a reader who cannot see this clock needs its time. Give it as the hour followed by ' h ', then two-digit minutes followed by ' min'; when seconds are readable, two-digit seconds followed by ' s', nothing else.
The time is 10 h 11 min
